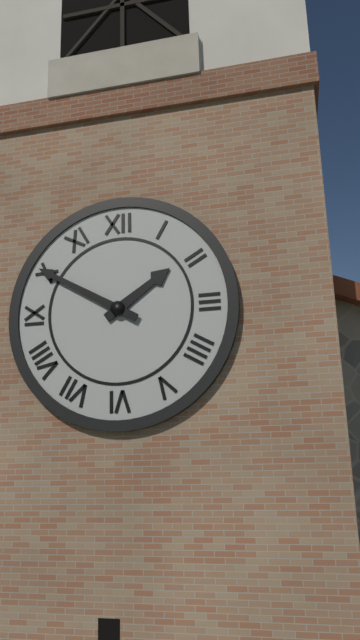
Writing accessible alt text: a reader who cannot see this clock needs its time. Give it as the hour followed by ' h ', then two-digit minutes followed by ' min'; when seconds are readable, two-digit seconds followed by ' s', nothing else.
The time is 1 h 50 min
